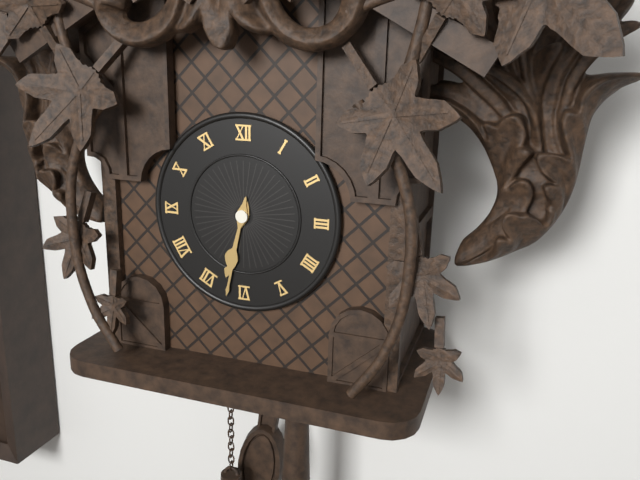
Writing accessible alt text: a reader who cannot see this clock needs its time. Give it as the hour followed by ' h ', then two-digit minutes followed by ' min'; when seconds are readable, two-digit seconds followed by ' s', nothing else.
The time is 6 h 32 min
